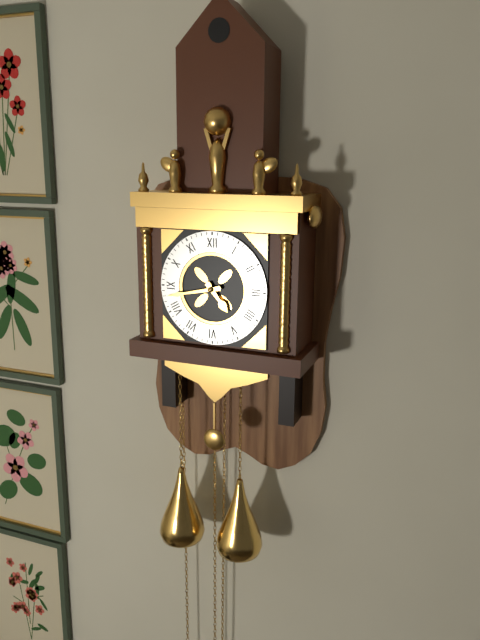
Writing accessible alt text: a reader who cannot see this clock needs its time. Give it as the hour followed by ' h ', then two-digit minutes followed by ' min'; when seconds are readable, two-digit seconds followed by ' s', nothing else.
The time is 4 h 43 min
